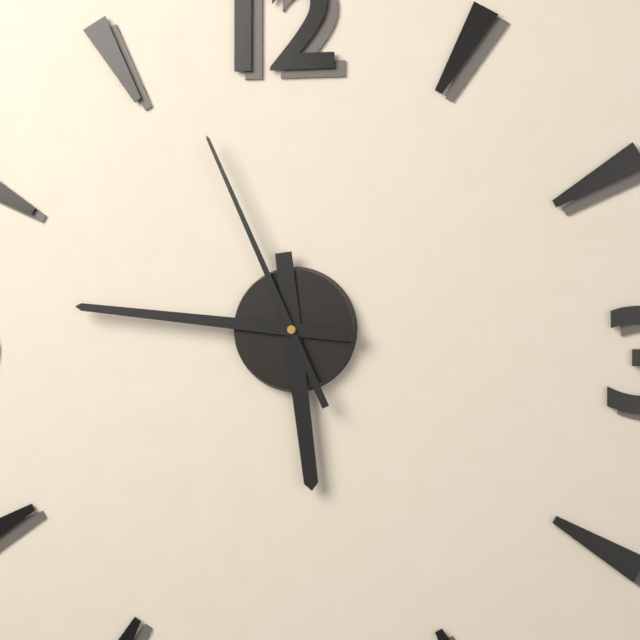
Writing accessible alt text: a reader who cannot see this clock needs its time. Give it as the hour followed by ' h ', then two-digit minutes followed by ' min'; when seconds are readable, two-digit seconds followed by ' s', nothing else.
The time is 5 h 46 min 56 s
